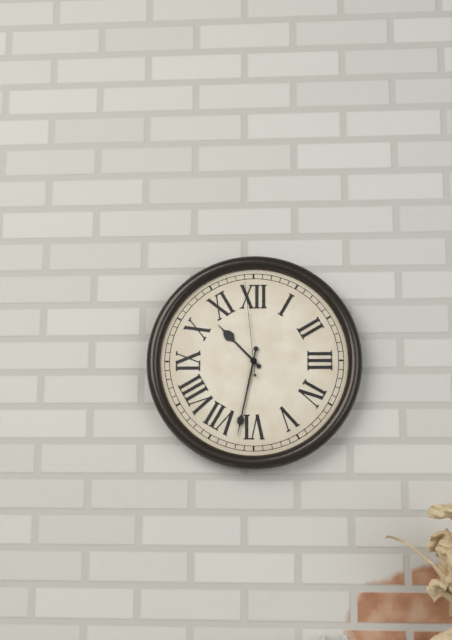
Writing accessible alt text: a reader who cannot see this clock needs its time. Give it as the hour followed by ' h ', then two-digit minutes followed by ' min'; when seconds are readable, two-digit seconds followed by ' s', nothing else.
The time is 10 h 32 min 59 s
